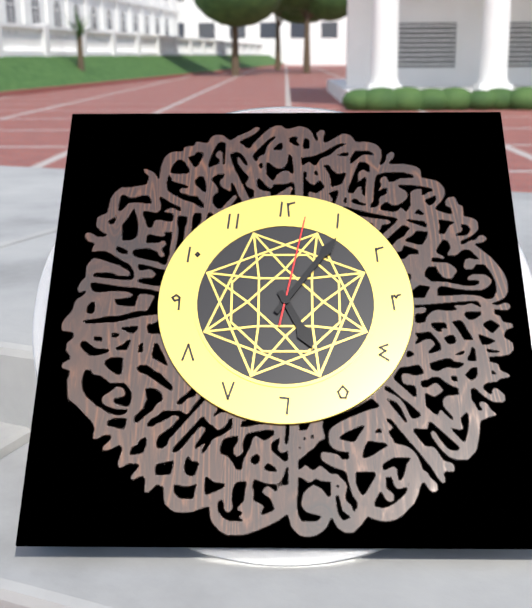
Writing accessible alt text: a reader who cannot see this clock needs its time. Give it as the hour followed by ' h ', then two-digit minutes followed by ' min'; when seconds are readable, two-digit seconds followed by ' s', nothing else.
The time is 5 h 06 min 02 s
